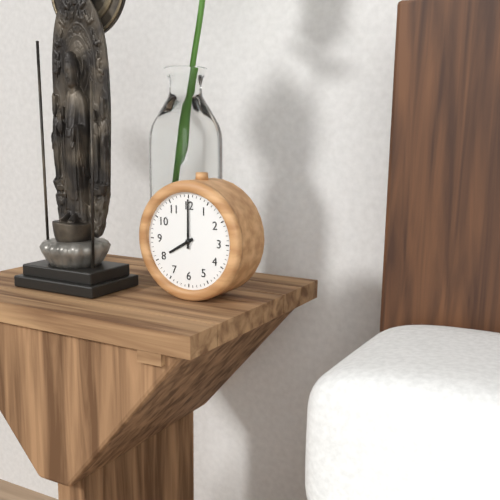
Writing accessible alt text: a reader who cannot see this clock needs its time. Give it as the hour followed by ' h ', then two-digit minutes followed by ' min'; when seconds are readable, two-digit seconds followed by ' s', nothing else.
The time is 8 h 00 min
